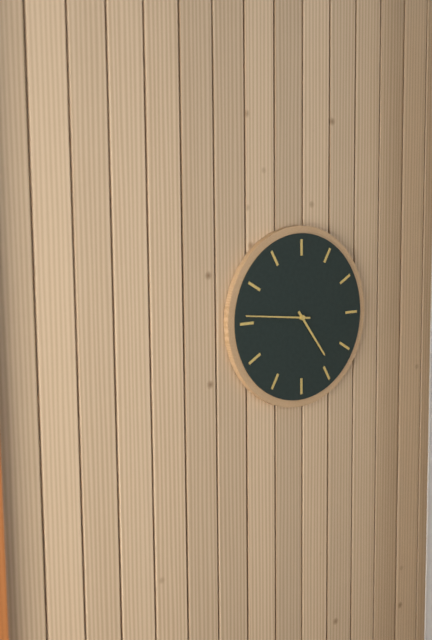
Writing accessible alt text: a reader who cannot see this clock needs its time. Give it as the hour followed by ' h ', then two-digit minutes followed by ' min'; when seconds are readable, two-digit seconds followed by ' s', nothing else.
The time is 4 h 46 min
